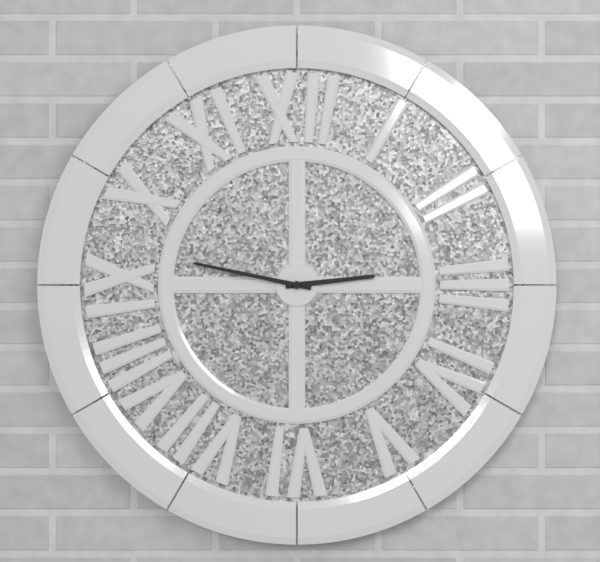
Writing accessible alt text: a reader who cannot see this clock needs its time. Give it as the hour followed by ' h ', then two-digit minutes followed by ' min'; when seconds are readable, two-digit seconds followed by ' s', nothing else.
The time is 2 h 47 min
